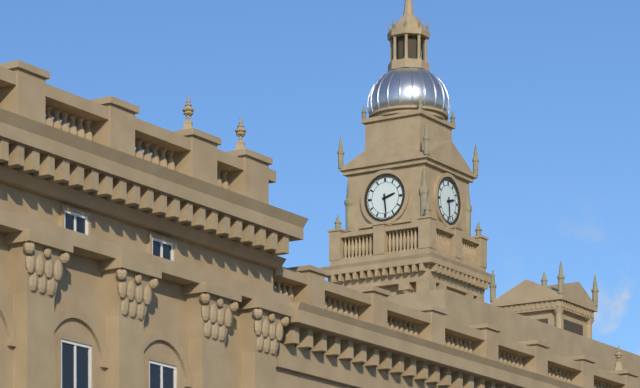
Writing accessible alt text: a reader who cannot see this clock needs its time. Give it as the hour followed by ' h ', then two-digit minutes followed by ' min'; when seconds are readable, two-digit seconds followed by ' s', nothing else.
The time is 2 h 29 min
